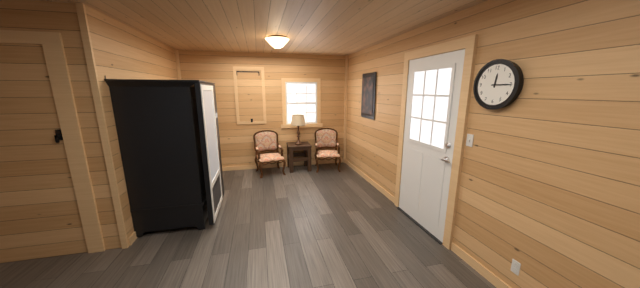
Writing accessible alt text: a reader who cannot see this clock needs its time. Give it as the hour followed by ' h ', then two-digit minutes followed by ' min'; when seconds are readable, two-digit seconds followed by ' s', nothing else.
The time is 12 h 15 min
